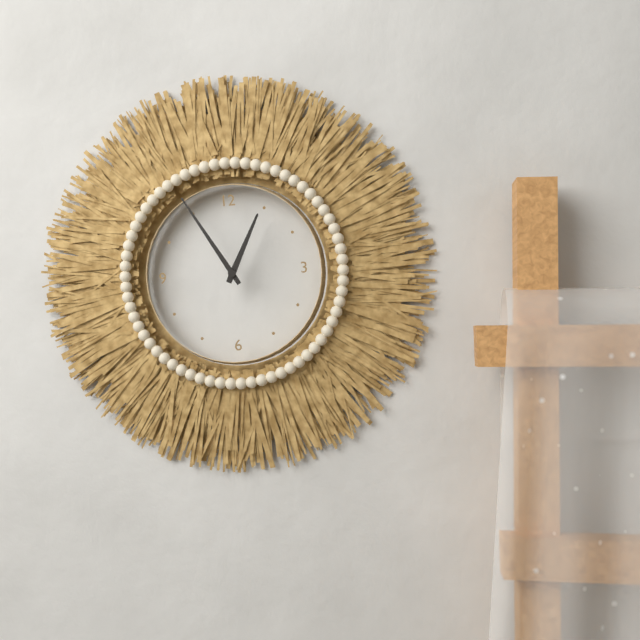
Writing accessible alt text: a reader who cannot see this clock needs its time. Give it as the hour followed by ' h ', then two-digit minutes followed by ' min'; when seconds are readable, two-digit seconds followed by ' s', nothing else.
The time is 12 h 55 min
